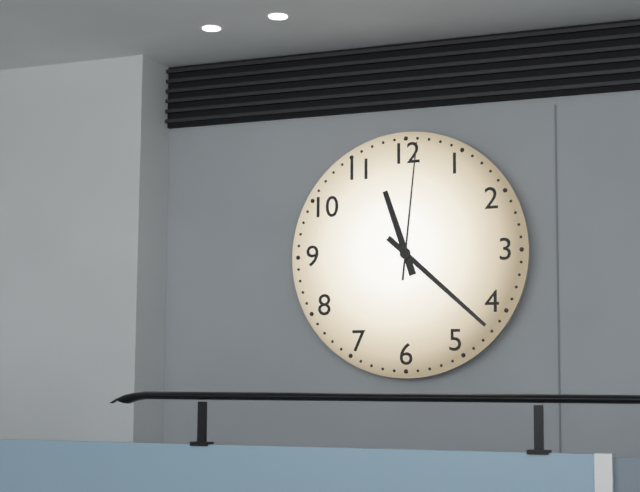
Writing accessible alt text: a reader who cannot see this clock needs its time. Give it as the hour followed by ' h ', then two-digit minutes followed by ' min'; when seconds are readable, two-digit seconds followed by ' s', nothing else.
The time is 11 h 22 min 01 s
